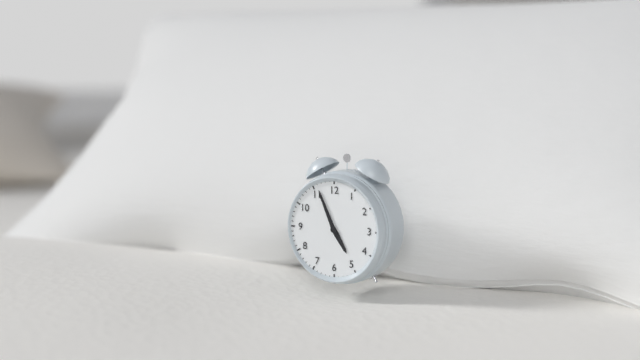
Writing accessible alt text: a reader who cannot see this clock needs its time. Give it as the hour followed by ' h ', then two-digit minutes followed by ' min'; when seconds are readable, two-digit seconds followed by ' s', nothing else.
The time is 4 h 56 min
